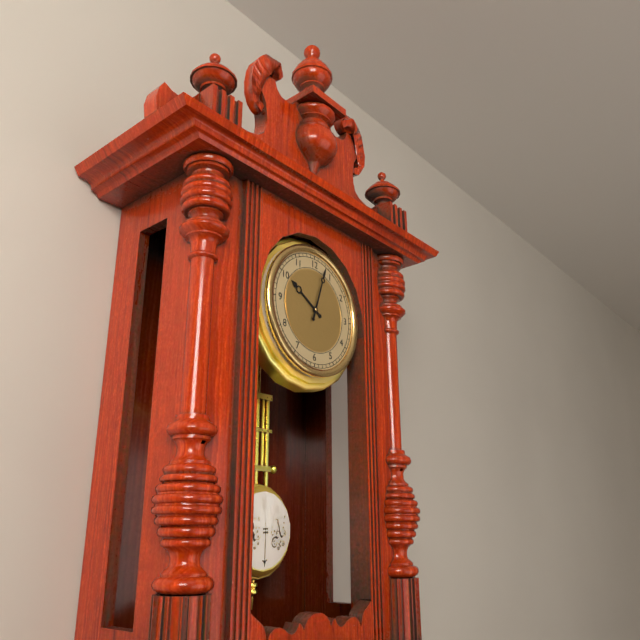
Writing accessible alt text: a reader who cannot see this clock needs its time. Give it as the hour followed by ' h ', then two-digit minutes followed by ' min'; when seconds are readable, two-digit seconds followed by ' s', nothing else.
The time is 10 h 03 min
